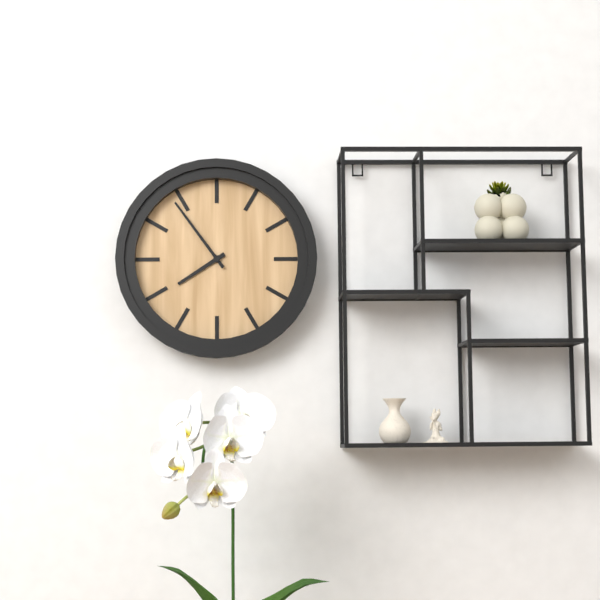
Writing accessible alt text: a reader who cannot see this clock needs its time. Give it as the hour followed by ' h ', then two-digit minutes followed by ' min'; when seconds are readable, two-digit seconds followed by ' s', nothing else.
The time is 7 h 54 min
